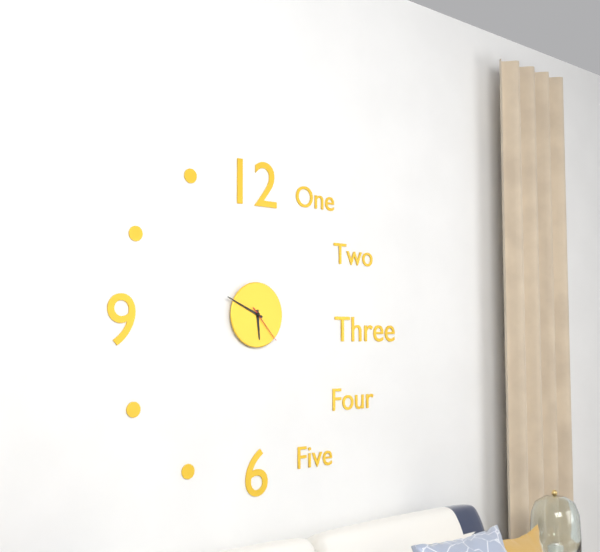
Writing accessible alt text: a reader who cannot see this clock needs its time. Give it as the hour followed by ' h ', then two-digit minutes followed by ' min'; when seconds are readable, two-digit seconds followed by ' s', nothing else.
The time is 5 h 49 min
